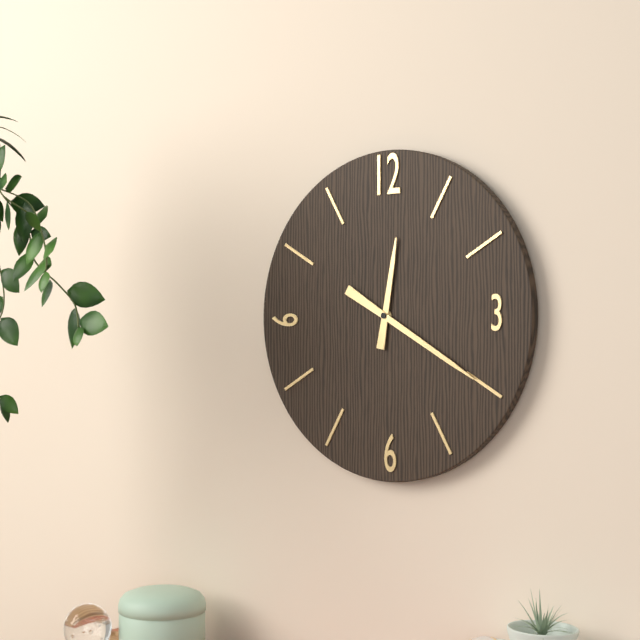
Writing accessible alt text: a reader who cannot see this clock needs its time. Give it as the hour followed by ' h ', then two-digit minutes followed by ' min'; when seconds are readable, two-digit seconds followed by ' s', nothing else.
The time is 12 h 20 min
